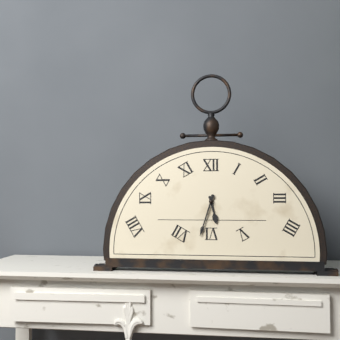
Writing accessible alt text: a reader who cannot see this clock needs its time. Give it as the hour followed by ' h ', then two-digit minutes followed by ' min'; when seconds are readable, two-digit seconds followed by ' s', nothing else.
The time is 5 h 33 min
